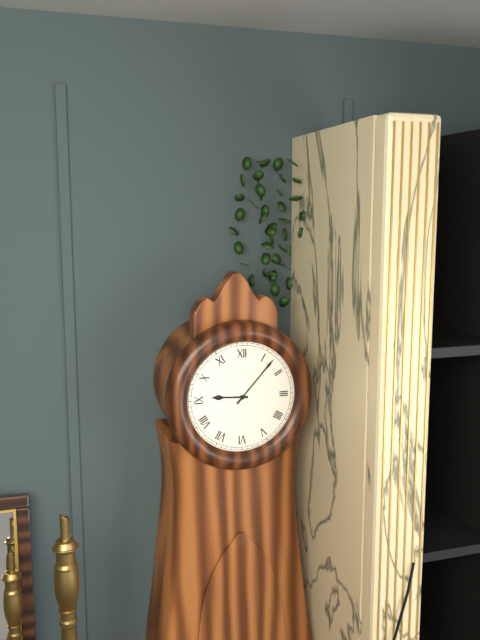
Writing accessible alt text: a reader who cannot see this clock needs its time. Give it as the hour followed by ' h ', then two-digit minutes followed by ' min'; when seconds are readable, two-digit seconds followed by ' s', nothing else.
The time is 9 h 07 min
